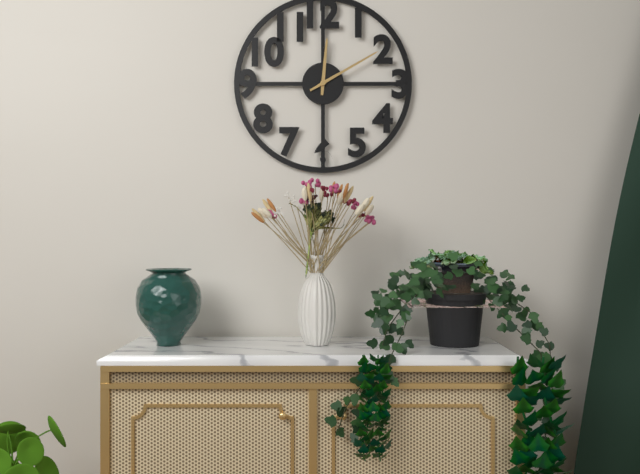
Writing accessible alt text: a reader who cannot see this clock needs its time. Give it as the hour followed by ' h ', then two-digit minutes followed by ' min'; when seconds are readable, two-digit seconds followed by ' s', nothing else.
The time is 12 h 10 min
